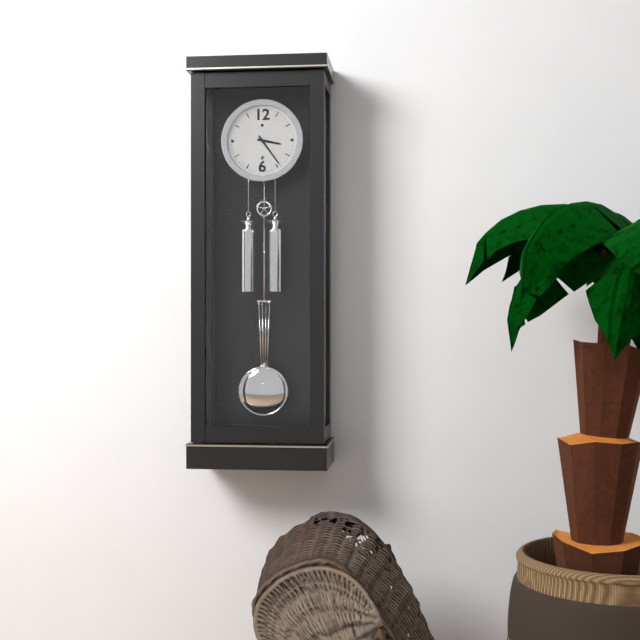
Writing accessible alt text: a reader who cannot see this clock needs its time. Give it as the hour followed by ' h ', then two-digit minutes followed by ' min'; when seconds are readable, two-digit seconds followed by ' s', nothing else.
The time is 3 h 24 min
